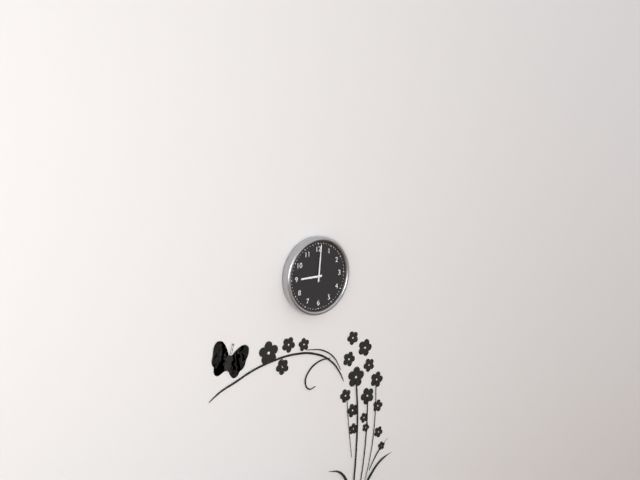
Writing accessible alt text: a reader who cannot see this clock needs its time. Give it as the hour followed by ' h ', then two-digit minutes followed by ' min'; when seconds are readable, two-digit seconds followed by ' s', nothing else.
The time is 9 h 01 min
